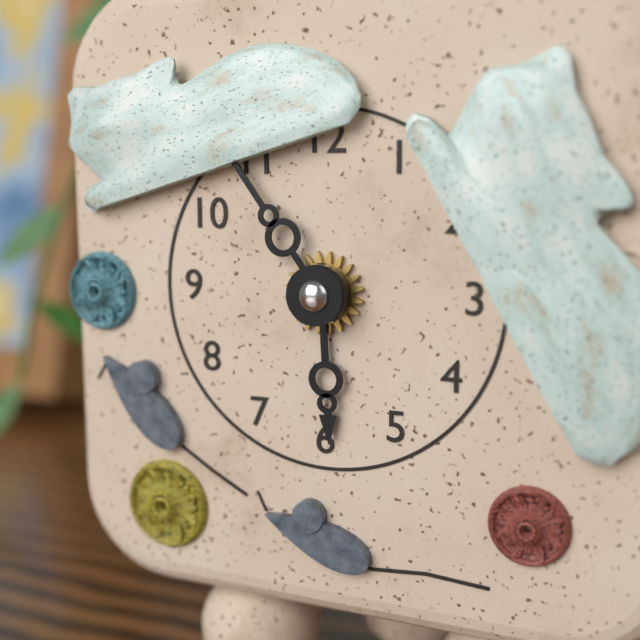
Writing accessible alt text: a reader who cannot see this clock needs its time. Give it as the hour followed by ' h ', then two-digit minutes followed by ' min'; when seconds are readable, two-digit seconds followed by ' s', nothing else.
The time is 5 h 54 min
